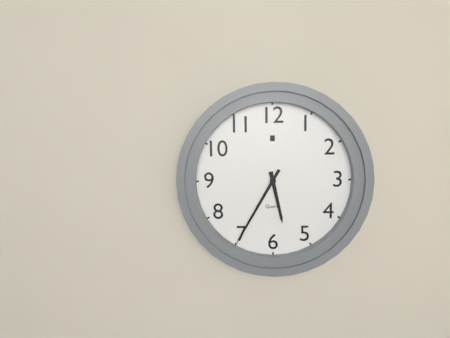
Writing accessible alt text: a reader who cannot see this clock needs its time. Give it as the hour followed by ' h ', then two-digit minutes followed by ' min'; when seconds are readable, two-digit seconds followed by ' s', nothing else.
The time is 5 h 35 min
